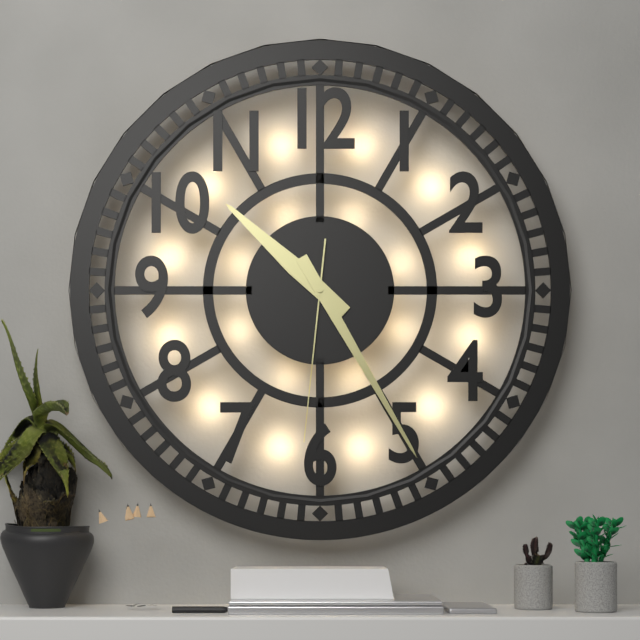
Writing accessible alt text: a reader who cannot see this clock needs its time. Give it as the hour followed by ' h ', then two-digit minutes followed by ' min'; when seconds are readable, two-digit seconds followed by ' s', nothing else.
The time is 10 h 25 min 31 s
